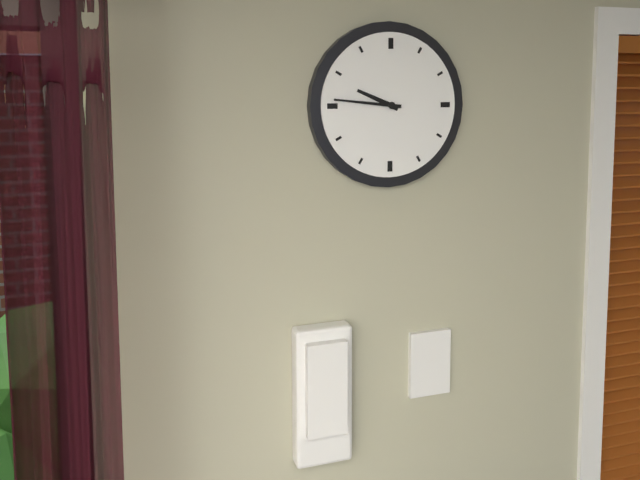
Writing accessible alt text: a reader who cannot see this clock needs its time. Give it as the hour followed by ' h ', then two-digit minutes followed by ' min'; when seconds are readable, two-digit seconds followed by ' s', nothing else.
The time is 9 h 46 min
